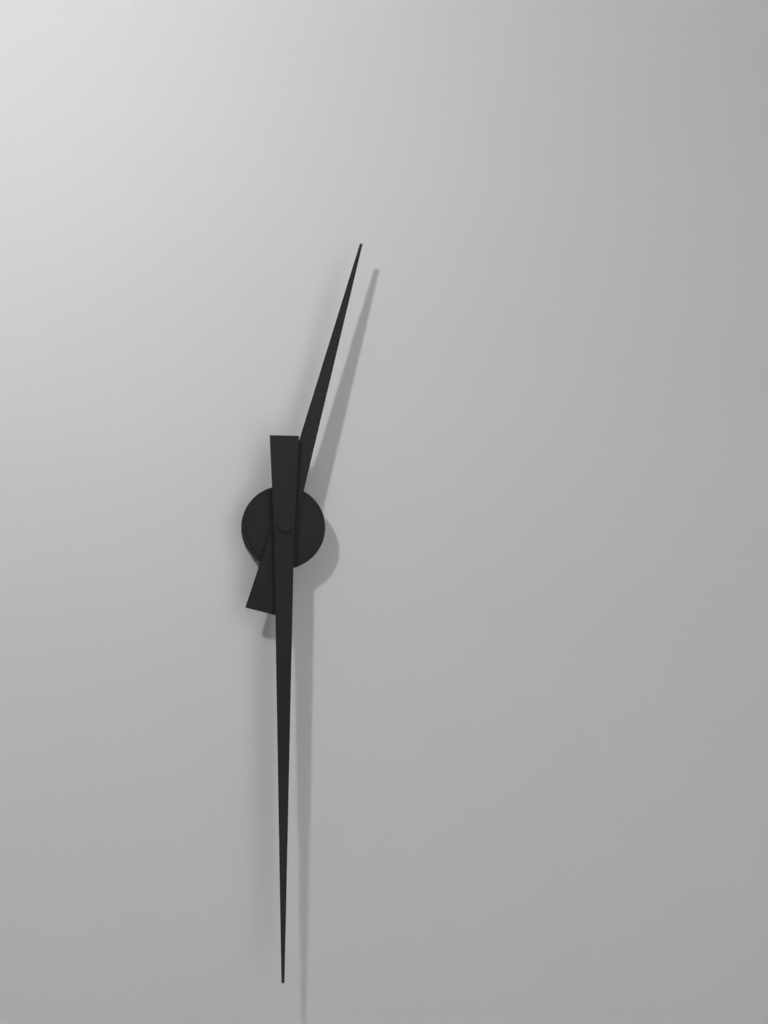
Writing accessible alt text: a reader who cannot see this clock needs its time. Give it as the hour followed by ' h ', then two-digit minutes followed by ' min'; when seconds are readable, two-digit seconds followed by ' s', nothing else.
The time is 12 h 30 min
